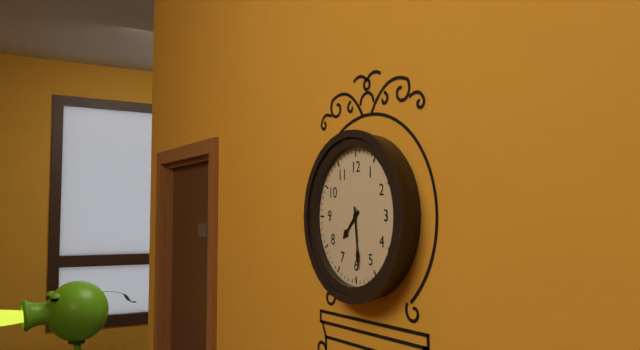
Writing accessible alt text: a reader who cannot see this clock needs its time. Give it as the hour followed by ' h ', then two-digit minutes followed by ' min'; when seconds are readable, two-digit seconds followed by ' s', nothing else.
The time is 7 h 29 min
